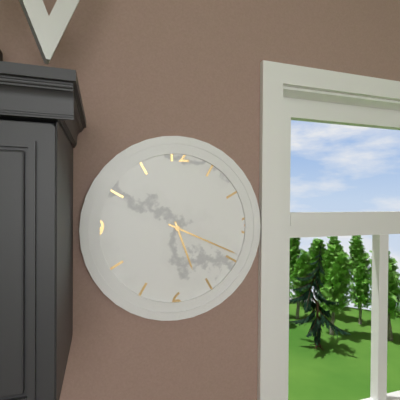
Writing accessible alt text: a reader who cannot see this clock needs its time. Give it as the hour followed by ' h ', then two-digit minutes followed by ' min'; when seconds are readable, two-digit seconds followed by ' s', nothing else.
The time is 5 h 19 min
